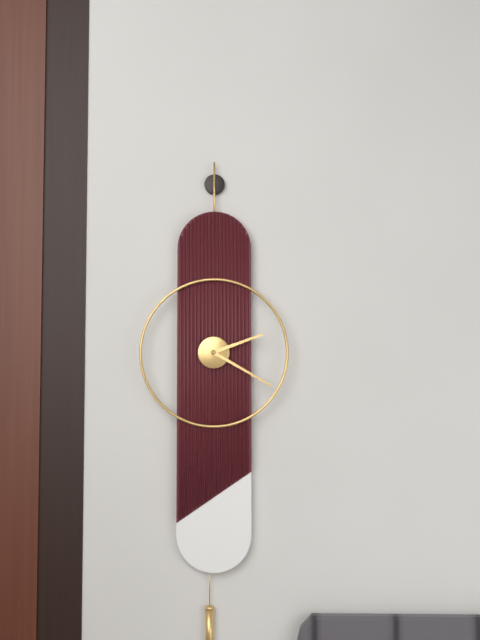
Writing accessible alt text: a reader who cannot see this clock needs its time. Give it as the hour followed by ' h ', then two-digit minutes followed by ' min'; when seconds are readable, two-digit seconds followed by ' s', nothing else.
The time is 2 h 20 min
